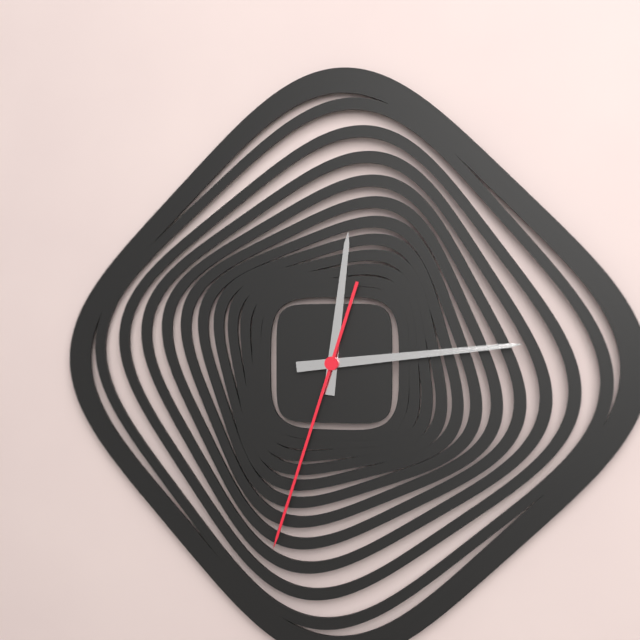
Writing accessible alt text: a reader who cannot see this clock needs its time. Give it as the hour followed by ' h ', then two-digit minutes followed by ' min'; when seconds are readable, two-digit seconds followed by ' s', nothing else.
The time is 12 h 14 min 33 s
